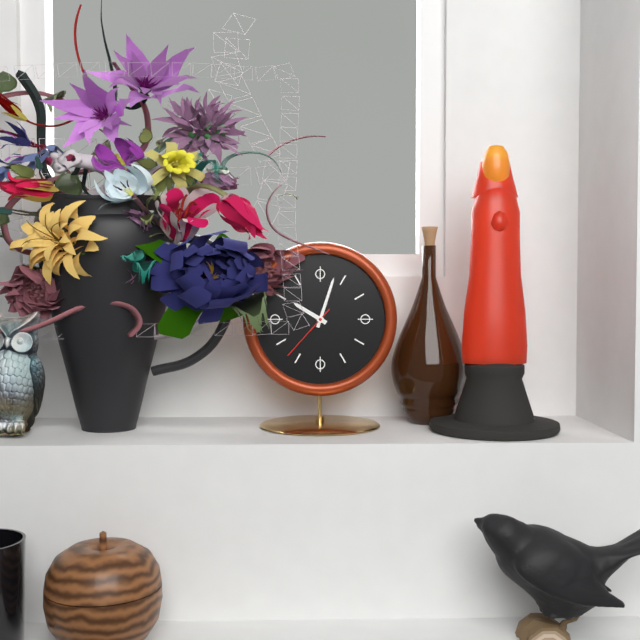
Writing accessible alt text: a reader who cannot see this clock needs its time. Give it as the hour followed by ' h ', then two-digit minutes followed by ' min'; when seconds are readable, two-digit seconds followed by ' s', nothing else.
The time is 10 h 03 min 37 s
